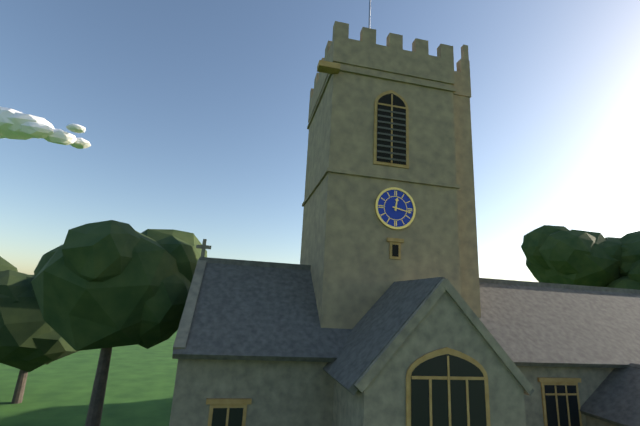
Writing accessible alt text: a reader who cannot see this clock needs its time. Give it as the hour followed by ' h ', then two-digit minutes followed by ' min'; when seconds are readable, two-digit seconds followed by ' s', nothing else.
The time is 12 h 17 min
